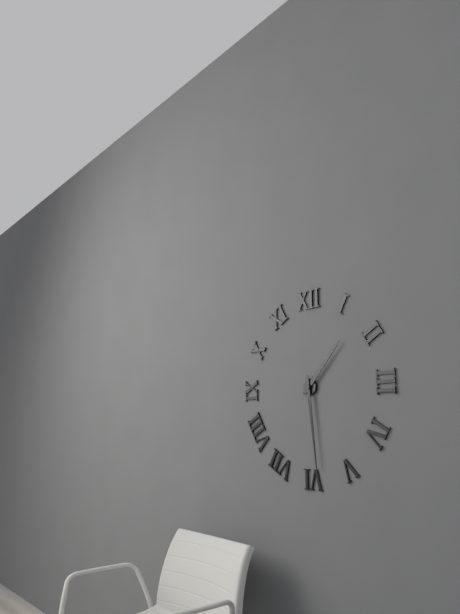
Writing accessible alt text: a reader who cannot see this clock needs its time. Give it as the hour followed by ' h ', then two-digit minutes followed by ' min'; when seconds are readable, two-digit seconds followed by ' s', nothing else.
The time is 1 h 29 min
